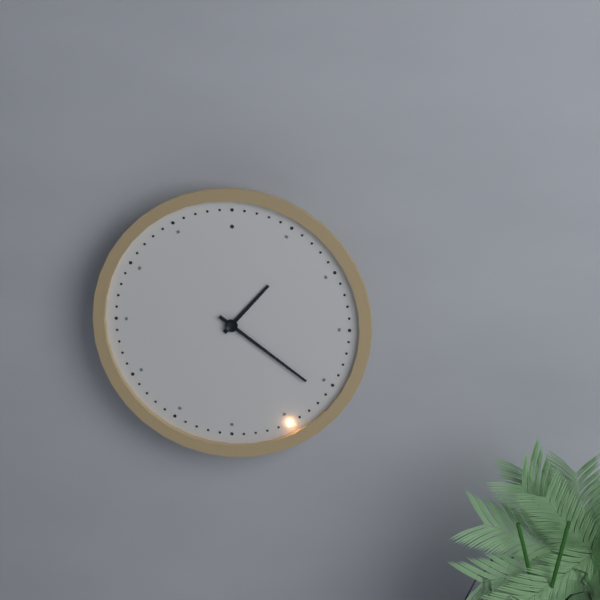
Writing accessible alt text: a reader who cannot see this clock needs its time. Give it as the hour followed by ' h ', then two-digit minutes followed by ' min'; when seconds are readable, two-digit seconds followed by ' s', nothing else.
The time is 1 h 21 min
